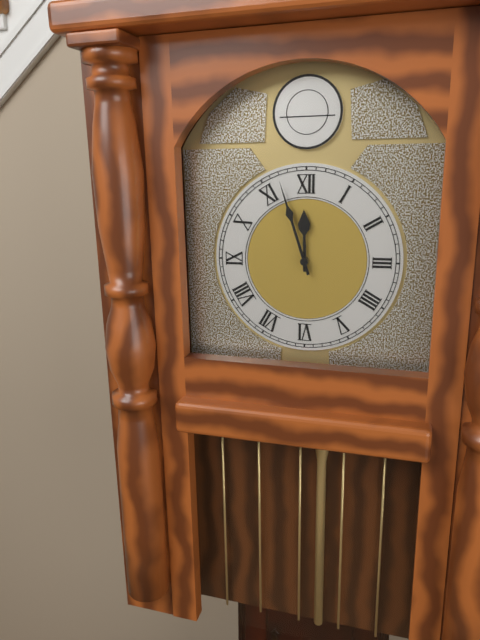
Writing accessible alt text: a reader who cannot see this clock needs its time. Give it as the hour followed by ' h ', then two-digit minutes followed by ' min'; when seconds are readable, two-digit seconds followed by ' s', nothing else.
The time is 11 h 57 min
